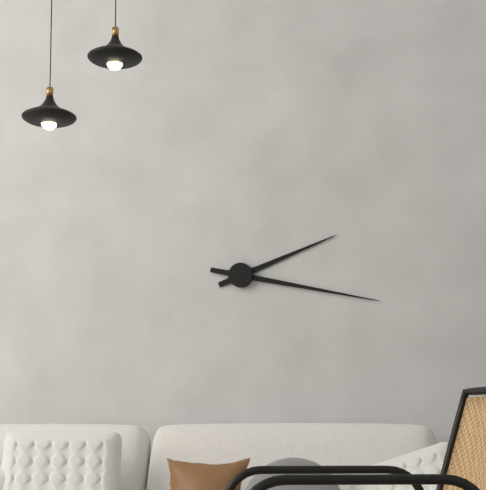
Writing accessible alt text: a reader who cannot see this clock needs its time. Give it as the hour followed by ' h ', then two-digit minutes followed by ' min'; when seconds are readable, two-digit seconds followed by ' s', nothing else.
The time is 2 h 17 min
